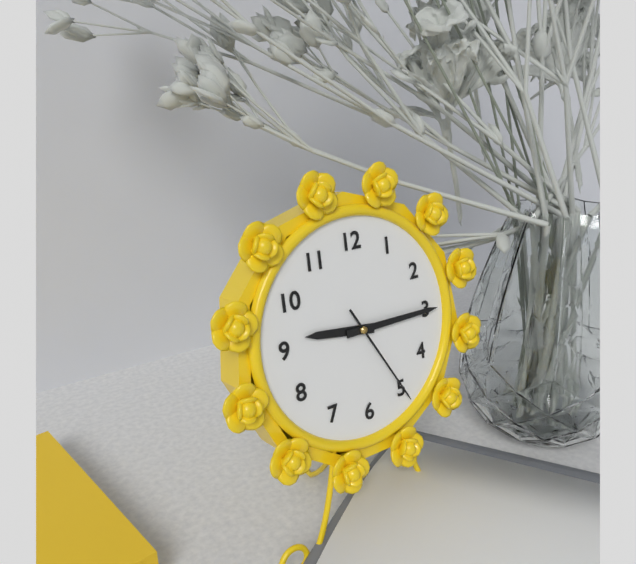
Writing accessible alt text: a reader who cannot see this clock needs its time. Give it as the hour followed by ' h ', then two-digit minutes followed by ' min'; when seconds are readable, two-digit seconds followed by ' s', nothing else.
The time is 9 h 15 min 25 s
